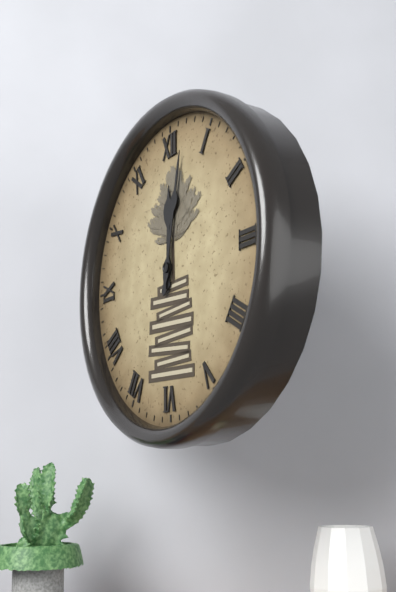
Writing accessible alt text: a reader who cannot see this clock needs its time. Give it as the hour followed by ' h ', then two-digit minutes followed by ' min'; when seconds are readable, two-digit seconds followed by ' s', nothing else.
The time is 12 h 02 min
